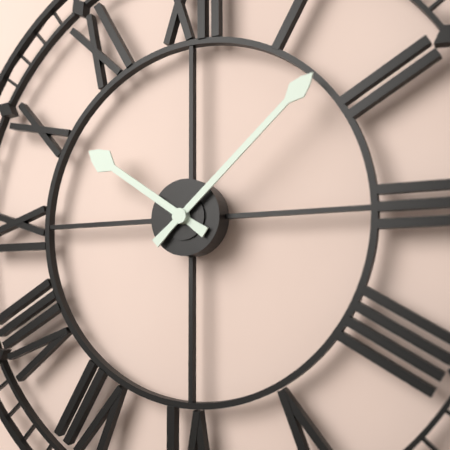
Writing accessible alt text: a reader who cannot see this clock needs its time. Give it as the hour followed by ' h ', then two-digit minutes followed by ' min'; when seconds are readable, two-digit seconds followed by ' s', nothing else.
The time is 10 h 08 min
